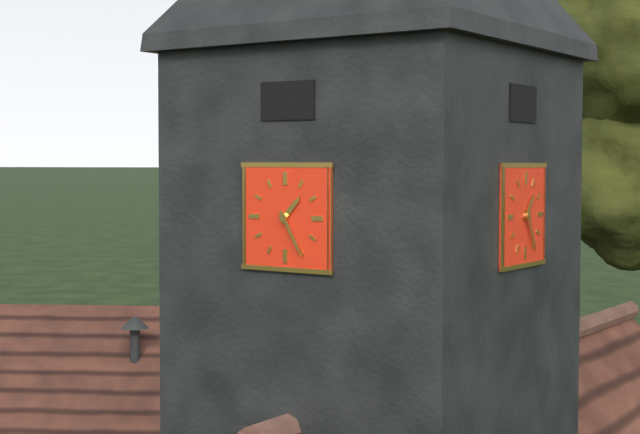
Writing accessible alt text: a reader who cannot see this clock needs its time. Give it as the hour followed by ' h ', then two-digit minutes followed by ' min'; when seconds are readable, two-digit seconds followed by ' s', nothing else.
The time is 1 h 25 min
